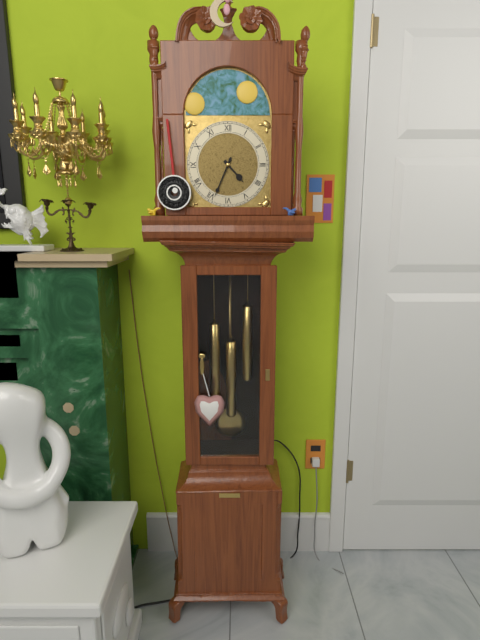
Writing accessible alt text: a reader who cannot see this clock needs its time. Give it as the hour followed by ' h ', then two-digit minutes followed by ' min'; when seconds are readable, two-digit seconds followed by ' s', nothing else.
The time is 4 h 34 min
